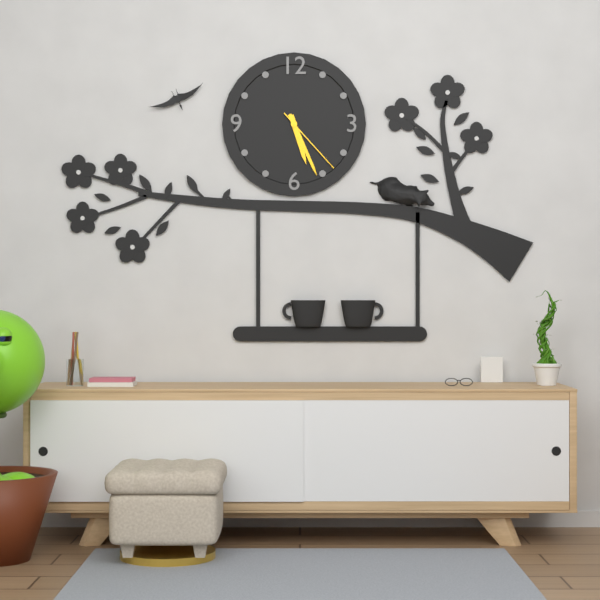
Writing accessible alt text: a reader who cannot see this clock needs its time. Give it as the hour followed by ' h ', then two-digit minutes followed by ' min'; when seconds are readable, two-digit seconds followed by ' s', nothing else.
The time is 5 h 26 min 23 s
